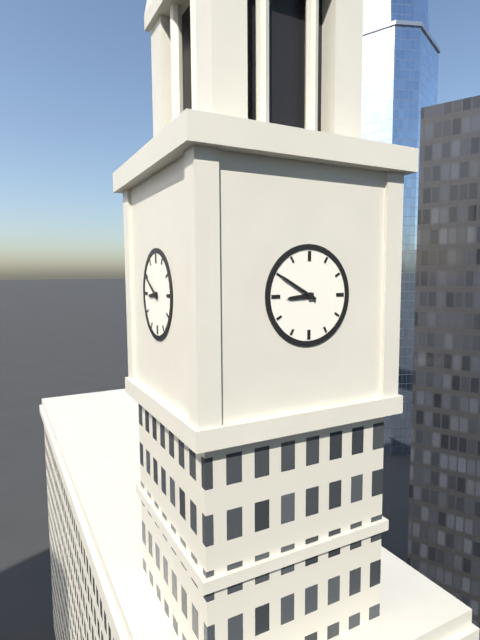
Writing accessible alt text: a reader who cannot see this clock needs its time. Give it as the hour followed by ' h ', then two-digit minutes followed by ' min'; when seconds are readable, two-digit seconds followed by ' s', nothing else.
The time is 8 h 50 min
